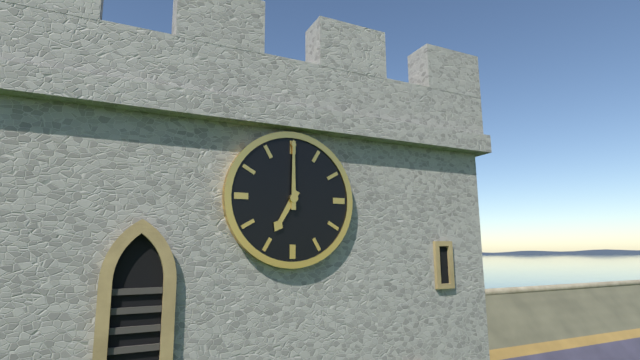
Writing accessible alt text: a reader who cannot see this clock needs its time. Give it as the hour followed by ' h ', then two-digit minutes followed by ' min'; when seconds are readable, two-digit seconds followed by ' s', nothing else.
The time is 7 h 00 min
